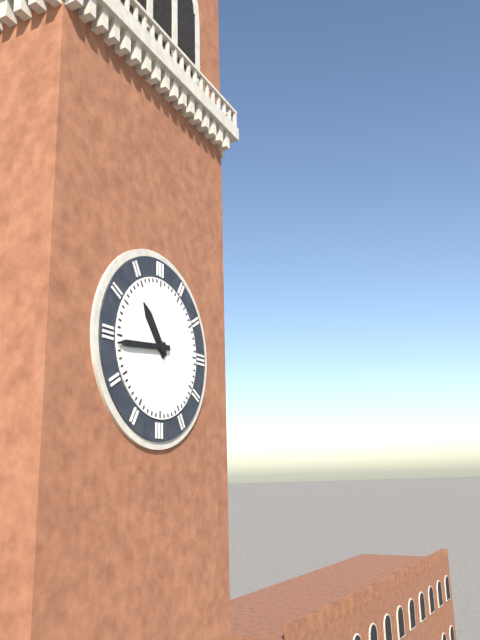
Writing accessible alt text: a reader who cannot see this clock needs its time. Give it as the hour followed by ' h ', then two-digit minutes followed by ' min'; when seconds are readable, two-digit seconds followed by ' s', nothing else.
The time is 10 h 44 min
